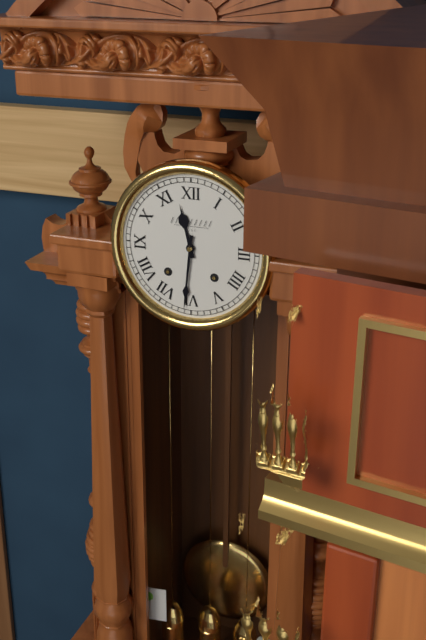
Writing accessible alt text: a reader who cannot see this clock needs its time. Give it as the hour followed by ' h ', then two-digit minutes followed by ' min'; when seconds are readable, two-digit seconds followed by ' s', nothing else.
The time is 11 h 31 min
